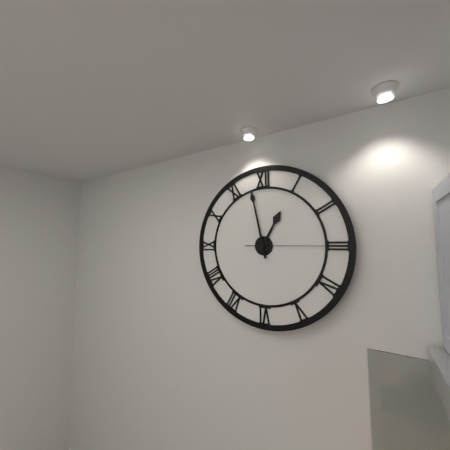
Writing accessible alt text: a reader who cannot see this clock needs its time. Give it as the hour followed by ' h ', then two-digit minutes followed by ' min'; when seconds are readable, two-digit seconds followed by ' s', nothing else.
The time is 12 h 58 min 15 s
